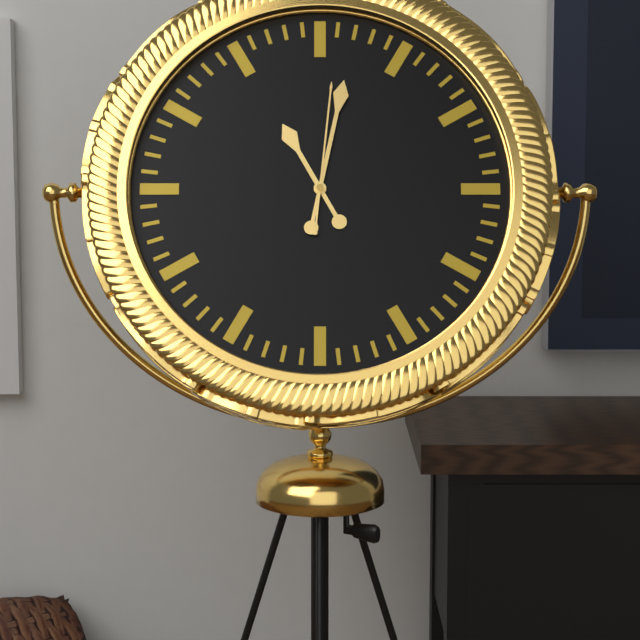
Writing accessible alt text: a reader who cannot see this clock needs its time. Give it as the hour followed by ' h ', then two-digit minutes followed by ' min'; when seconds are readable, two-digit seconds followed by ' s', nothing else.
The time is 11 h 02 min 01 s
